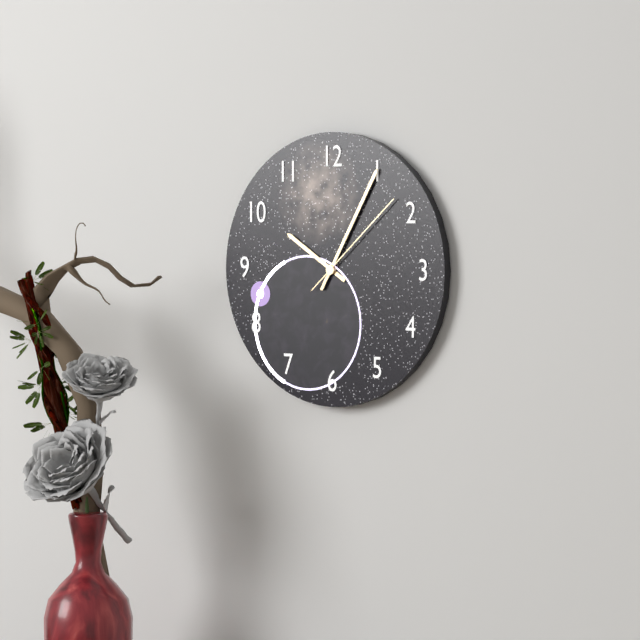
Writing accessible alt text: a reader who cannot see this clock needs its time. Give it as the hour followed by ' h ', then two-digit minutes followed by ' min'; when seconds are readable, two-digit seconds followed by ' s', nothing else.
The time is 10 h 05 min 08 s
